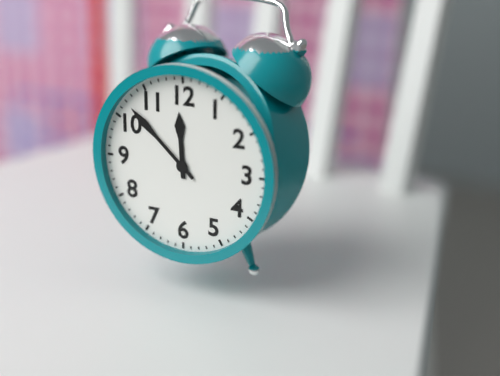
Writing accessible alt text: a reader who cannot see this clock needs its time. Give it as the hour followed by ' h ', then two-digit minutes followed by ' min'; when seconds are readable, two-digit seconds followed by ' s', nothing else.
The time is 11 h 52 min
